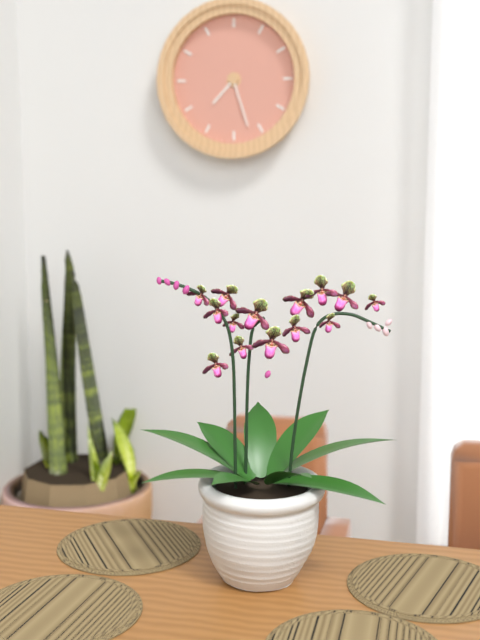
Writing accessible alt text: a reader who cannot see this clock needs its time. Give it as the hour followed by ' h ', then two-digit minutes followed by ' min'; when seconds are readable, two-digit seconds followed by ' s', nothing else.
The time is 7 h 27 min
